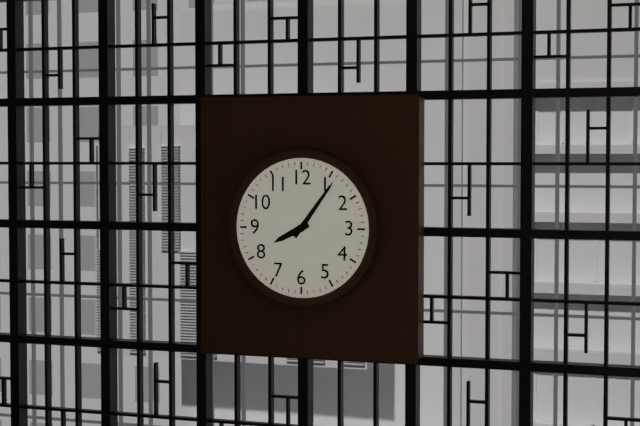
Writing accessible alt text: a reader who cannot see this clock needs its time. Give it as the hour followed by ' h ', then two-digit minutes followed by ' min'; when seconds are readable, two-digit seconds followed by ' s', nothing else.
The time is 8 h 06 min
